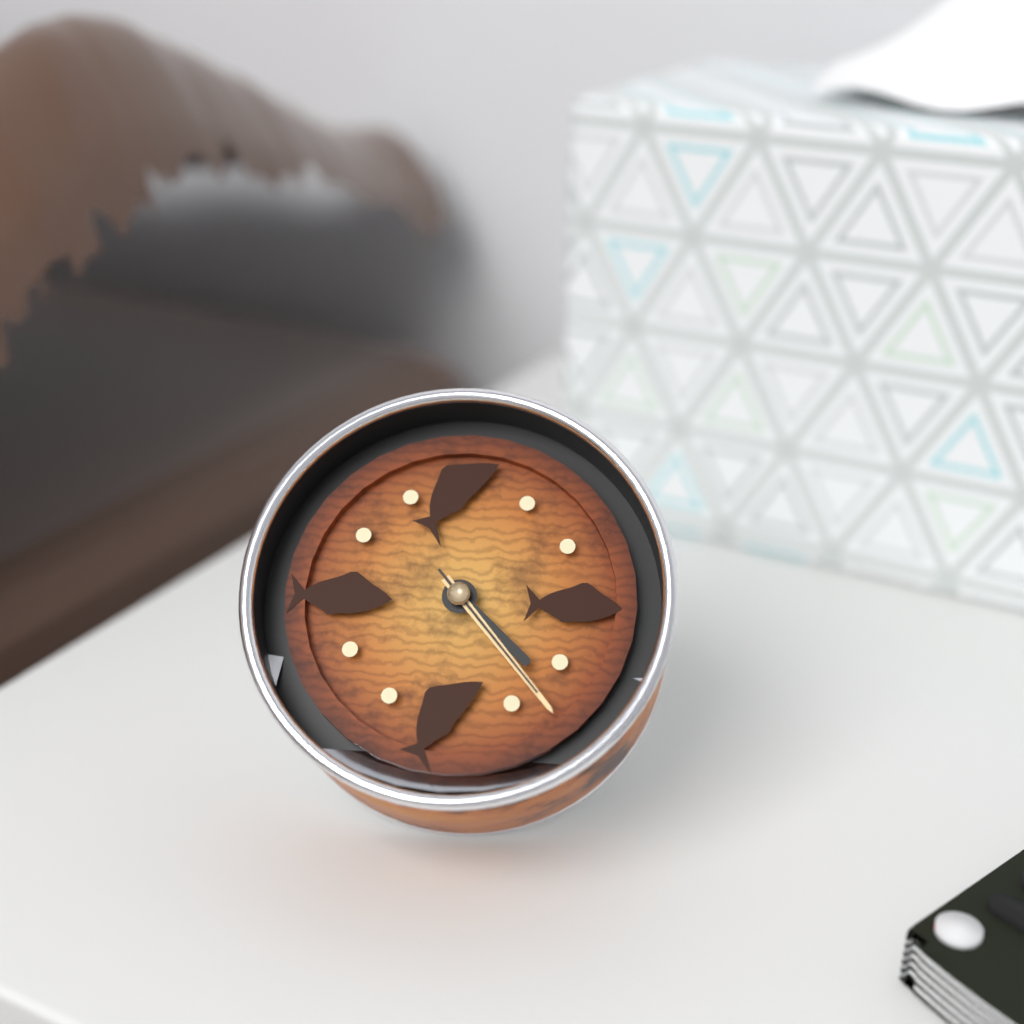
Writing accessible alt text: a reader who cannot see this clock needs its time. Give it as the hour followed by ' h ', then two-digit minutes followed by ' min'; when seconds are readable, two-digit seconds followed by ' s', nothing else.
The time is 4 h 23 min 23 s
